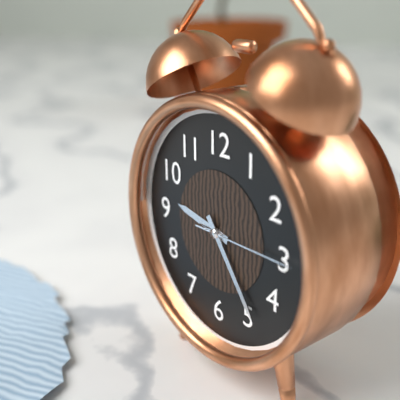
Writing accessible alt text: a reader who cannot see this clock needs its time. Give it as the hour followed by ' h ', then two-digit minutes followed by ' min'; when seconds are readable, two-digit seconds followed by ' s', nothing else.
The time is 9 h 24 min 15 s
